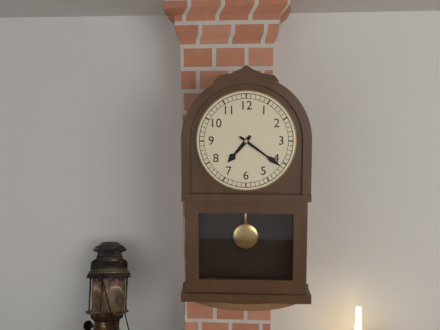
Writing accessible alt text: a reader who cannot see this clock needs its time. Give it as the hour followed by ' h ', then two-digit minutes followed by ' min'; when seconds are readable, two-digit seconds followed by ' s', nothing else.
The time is 7 h 21 min
